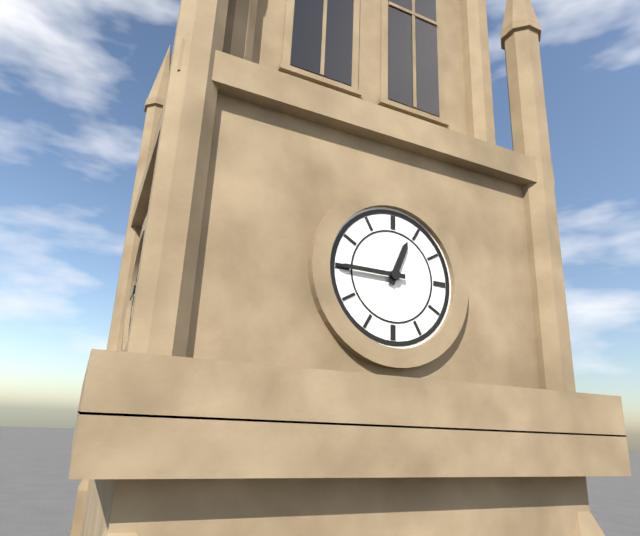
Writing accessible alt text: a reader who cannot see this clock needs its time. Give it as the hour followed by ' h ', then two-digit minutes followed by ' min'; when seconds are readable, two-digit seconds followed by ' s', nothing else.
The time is 12 h 45 min
